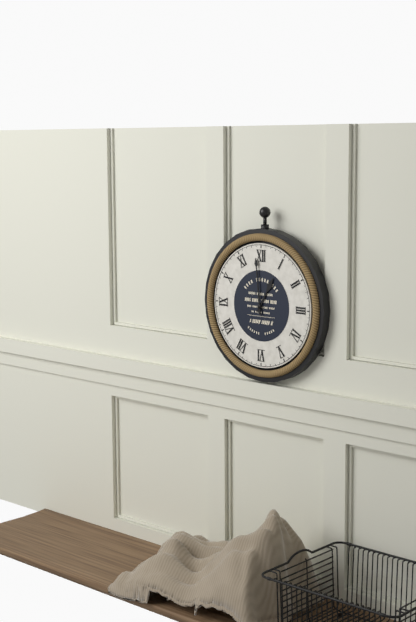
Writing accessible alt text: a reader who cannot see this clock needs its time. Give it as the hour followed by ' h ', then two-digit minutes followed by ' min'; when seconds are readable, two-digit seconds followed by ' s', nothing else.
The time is 12 h 59 min
